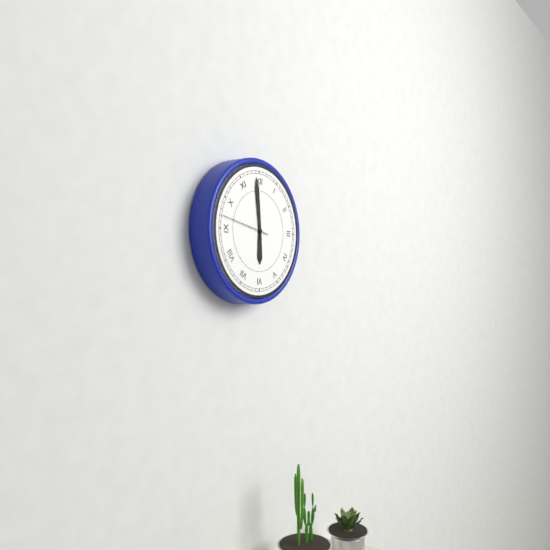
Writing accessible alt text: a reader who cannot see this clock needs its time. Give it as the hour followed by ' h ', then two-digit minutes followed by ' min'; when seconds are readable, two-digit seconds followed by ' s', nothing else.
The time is 5 h 59 min 47 s
